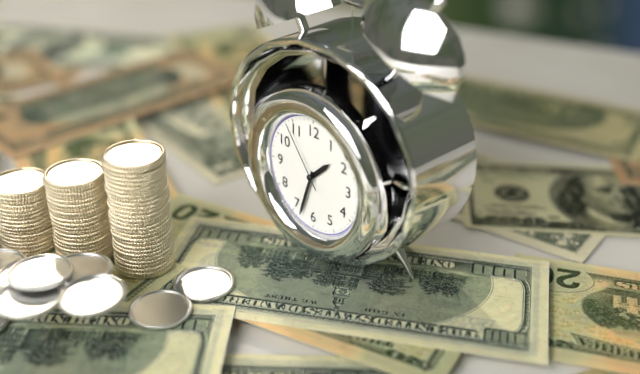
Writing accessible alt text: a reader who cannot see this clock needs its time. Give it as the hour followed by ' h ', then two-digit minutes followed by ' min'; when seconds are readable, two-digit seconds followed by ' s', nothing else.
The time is 1 h 33 min 54 s
